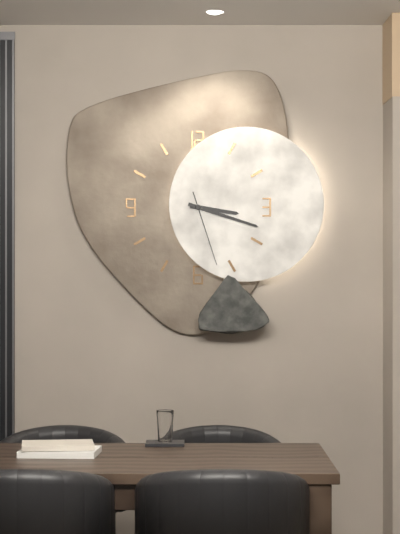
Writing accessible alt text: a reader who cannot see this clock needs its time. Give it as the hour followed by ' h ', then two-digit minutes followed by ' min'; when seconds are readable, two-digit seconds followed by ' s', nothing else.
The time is 3 h 18 min 27 s
